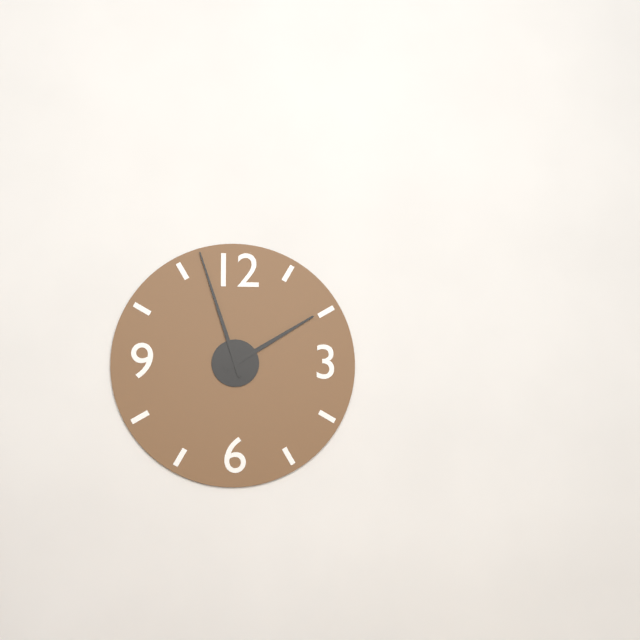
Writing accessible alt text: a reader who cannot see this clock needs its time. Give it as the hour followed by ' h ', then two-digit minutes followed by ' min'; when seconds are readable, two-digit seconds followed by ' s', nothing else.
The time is 1 h 57 min
